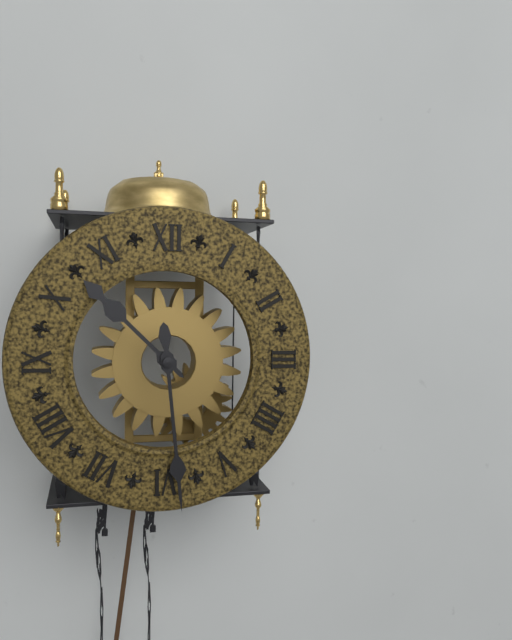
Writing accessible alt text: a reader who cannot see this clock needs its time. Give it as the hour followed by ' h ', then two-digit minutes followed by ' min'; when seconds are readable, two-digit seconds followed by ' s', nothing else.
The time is 10 h 29 min
